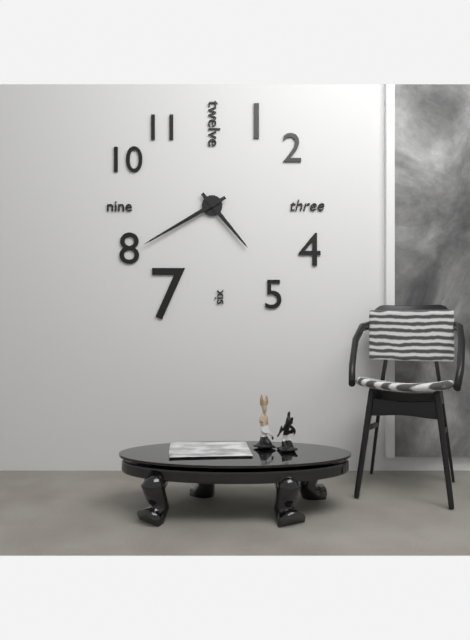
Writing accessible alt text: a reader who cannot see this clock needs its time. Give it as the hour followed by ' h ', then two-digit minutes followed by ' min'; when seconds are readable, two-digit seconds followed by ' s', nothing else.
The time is 4 h 40 min
